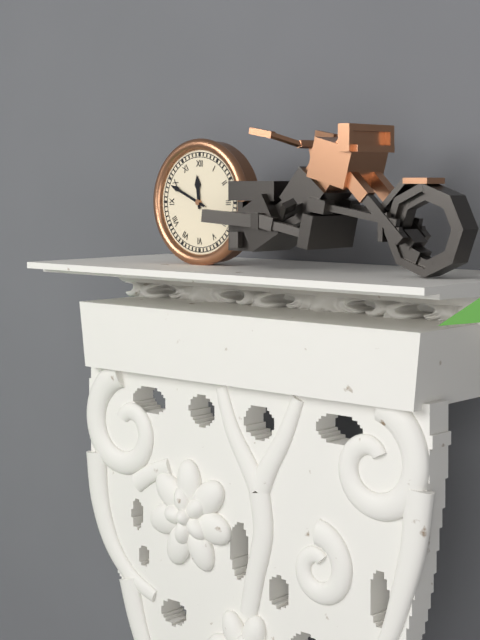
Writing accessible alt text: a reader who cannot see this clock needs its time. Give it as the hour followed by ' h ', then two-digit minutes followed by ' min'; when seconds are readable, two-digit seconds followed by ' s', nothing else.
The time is 11 h 49 min
